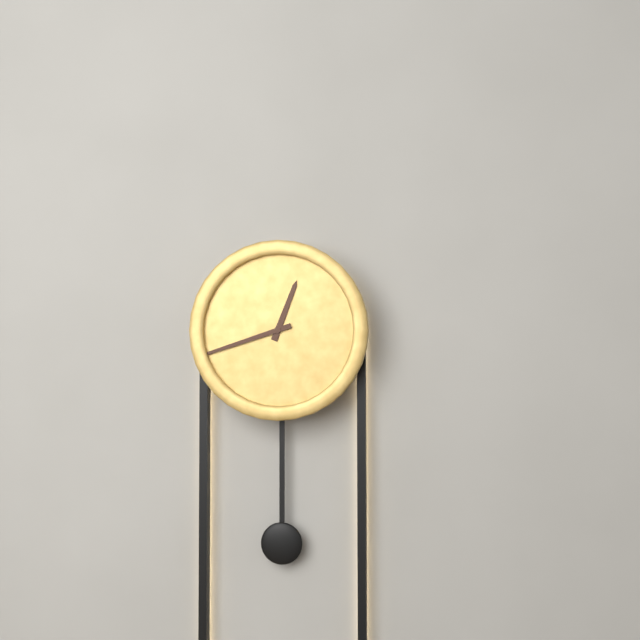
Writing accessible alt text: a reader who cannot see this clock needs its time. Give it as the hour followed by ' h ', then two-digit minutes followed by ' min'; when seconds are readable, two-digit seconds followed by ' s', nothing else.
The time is 12 h 42 min
